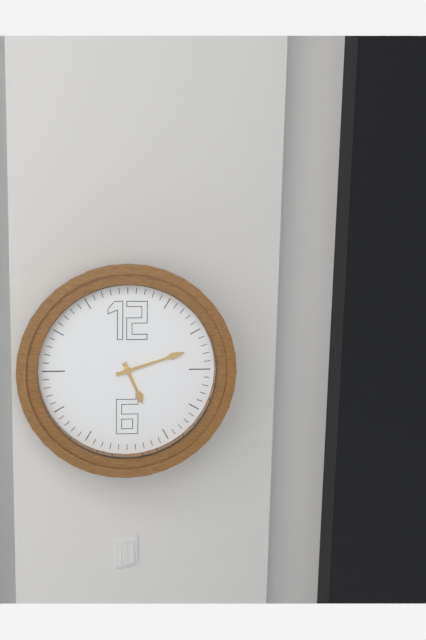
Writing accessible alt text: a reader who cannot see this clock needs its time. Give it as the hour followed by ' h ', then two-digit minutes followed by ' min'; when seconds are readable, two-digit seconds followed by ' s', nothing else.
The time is 5 h 12 min
